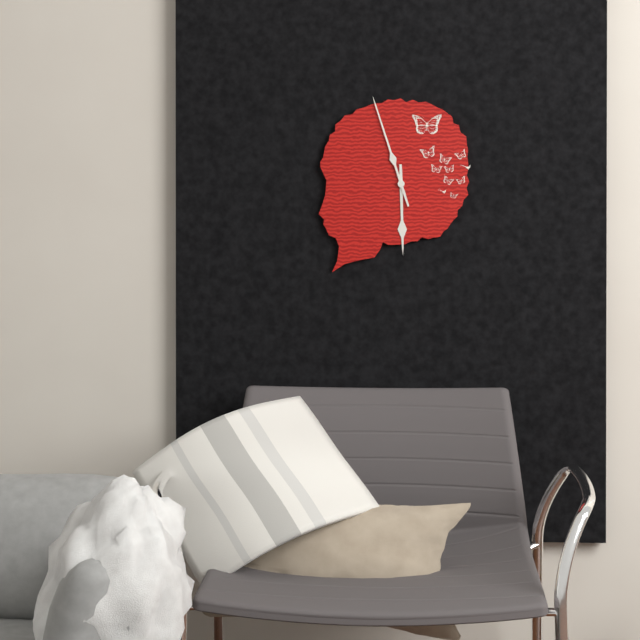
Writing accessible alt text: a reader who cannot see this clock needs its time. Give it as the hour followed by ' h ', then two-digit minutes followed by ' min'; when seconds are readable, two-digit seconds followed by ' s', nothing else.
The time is 5 h 57 min
